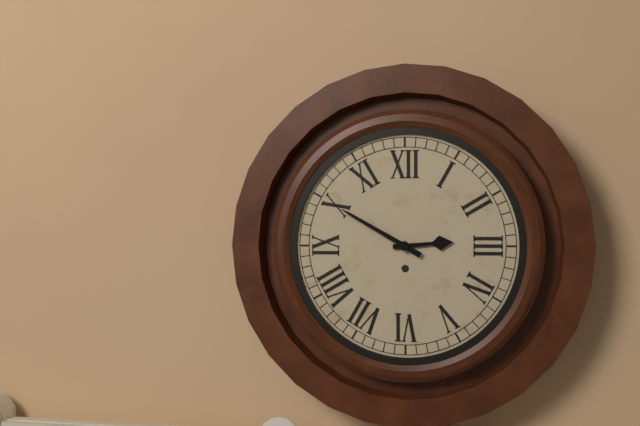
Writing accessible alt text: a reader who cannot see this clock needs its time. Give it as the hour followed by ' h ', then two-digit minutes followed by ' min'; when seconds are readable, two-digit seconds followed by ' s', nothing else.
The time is 2 h 50 min
